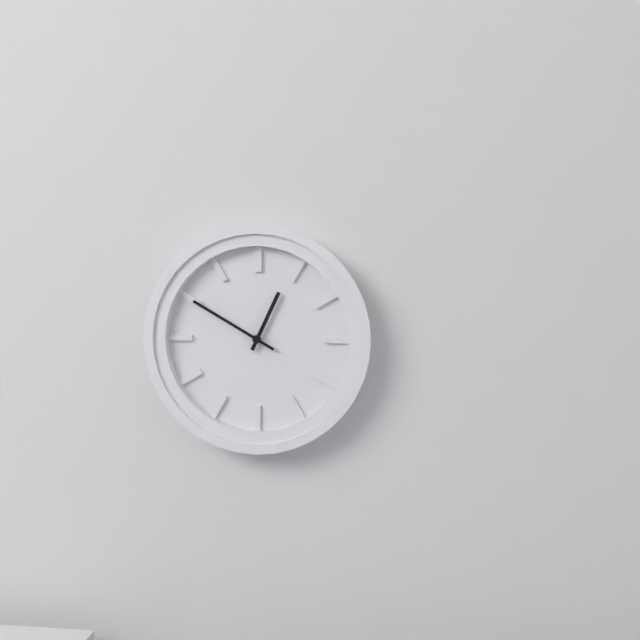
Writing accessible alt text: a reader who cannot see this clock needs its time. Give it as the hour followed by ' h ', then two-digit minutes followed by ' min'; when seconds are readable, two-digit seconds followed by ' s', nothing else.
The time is 12 h 50 min
